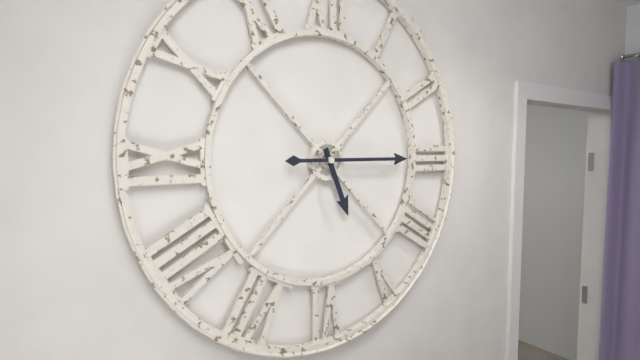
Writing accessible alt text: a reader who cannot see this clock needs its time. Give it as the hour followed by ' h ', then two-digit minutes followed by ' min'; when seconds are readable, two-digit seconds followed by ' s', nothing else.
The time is 5 h 15 min
